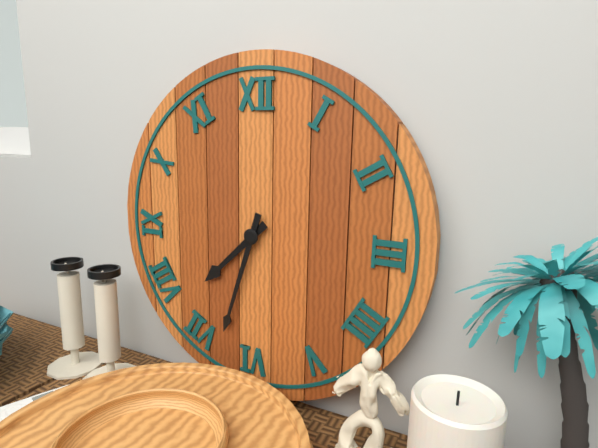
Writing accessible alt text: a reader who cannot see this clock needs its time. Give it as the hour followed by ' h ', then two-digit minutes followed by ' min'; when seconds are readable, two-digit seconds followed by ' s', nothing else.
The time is 7 h 33 min
